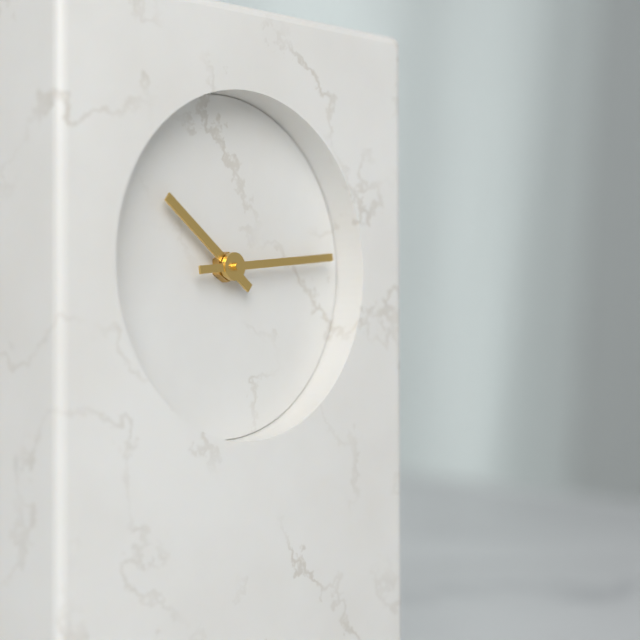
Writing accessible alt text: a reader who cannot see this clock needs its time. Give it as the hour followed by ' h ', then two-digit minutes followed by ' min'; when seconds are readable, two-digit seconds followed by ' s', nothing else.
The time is 10 h 14 min
